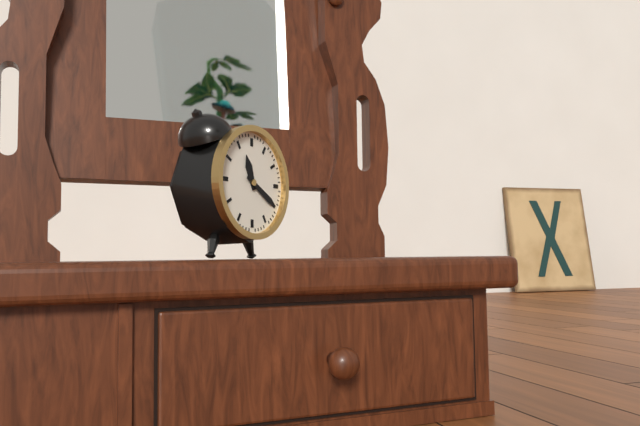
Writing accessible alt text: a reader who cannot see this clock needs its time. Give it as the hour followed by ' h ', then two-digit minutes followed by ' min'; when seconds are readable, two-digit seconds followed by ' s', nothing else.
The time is 11 h 20 min
